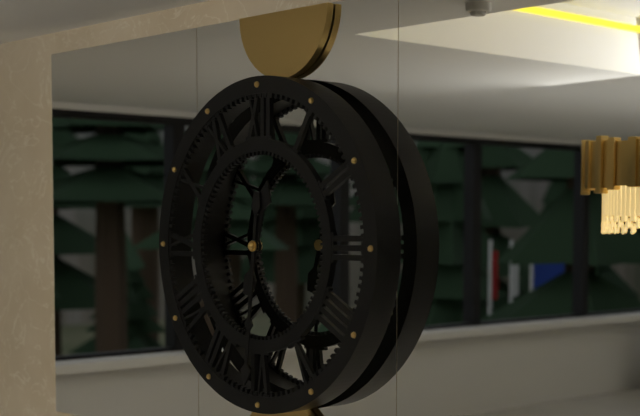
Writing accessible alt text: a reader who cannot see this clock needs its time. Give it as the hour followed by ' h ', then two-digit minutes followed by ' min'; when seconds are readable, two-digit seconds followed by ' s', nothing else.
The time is 12 h 31 min
